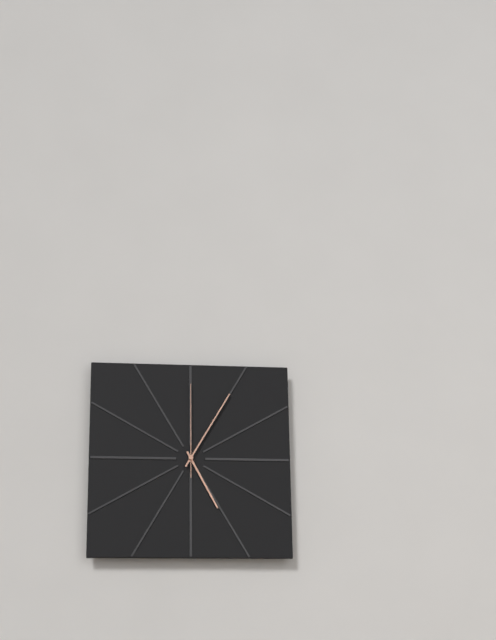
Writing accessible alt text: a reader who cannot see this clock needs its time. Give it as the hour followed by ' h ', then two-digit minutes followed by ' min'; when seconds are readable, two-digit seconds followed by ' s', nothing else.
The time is 5 h 05 min 00 s
